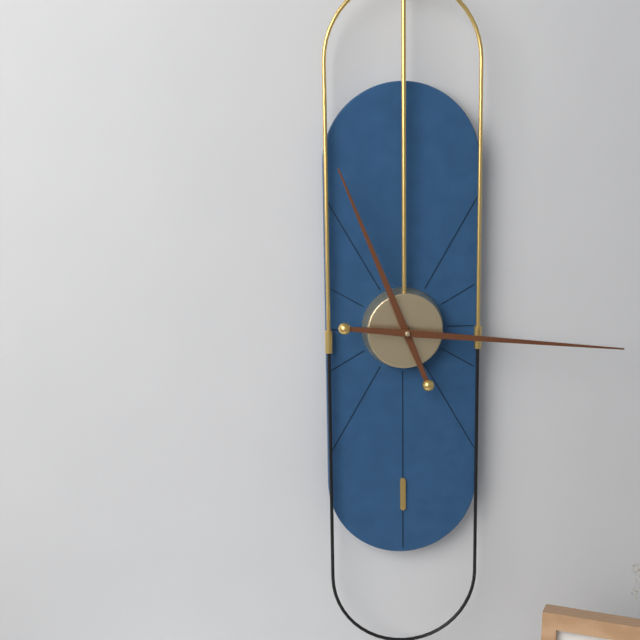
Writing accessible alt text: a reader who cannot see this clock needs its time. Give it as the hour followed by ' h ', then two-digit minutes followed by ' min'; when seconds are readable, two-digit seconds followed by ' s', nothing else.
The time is 11 h 16 min
